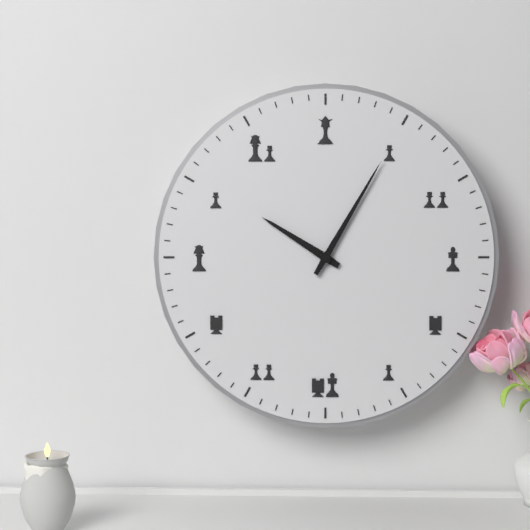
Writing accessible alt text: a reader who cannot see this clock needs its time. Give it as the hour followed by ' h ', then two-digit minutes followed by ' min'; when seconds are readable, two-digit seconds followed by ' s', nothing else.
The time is 10 h 05 min
